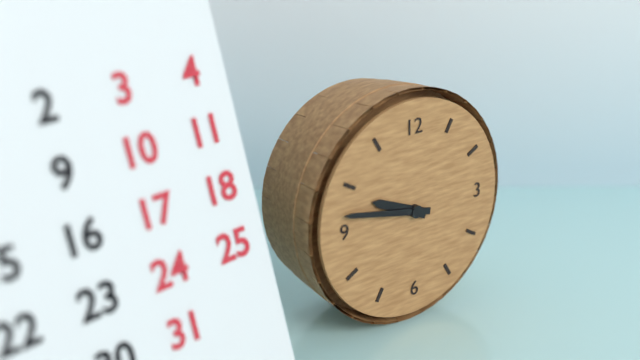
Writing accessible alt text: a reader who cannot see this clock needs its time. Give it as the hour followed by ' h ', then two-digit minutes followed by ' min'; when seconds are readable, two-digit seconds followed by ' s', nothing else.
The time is 9 h 47 min
